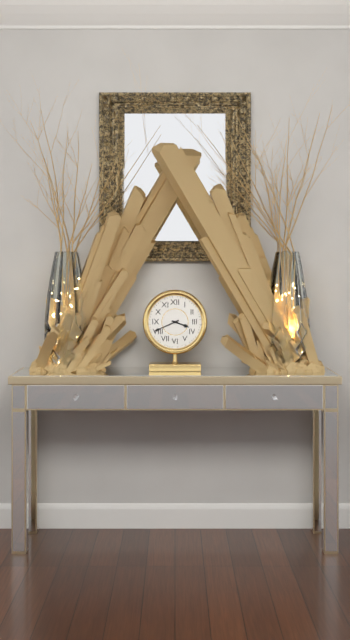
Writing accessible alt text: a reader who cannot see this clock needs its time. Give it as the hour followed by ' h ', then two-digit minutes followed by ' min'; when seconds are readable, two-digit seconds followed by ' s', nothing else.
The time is 3 h 41 min
